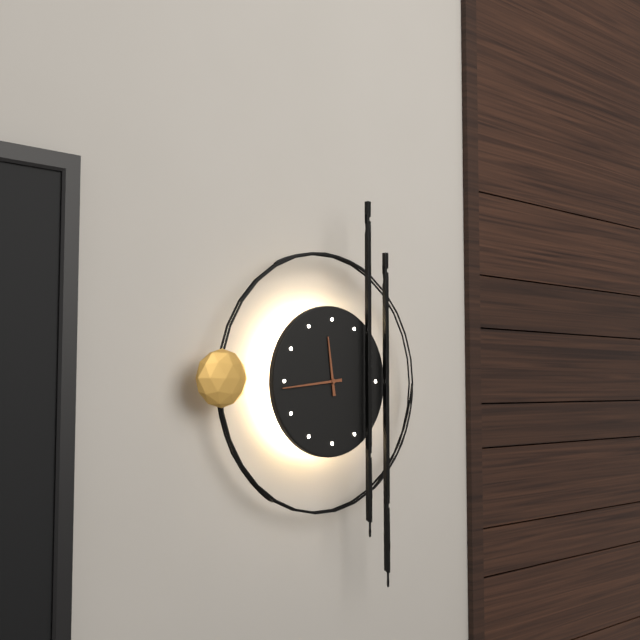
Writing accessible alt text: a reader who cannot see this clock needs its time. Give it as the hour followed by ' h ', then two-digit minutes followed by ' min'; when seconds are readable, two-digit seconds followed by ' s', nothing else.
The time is 11 h 44 min
